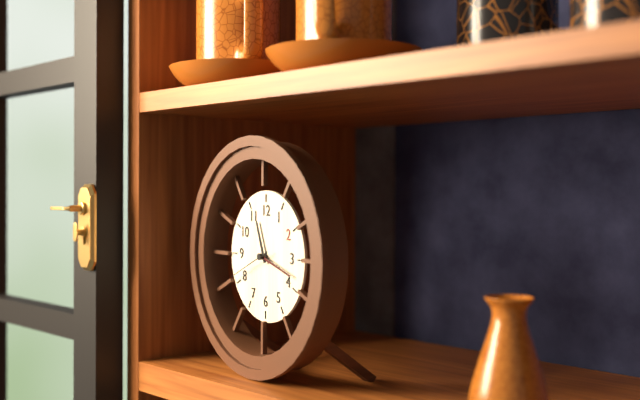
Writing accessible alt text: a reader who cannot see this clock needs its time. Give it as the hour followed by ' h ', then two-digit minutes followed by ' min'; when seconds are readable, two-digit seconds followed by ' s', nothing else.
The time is 11 h 18 min
